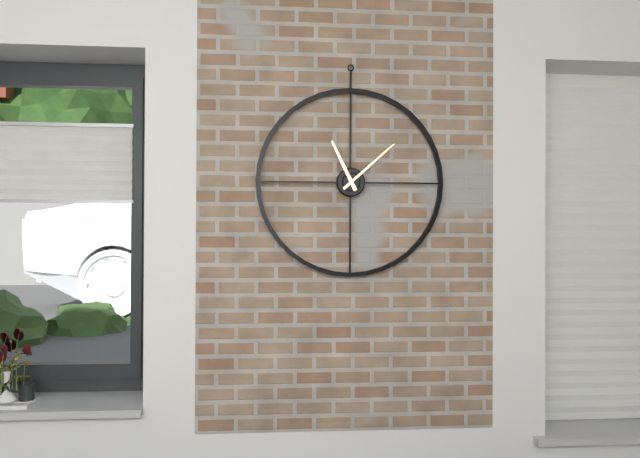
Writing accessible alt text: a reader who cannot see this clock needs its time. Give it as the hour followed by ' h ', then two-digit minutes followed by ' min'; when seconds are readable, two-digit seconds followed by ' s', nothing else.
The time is 11 h 08 min
